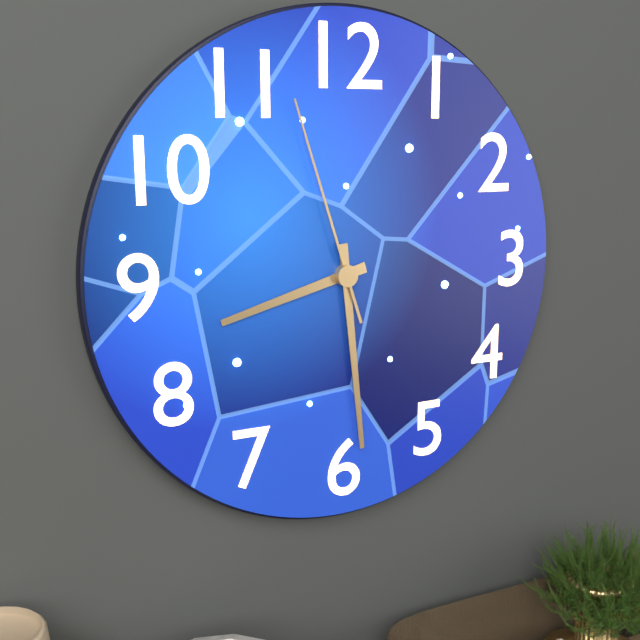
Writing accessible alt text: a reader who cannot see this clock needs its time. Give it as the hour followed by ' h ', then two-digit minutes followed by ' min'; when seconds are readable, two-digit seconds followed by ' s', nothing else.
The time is 8 h 29 min 57 s
